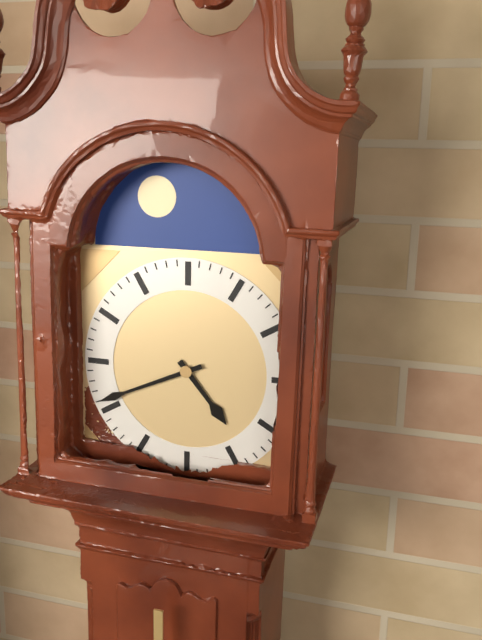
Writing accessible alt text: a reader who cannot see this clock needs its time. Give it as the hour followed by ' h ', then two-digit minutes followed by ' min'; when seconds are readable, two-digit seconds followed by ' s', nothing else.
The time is 4 h 41 min
